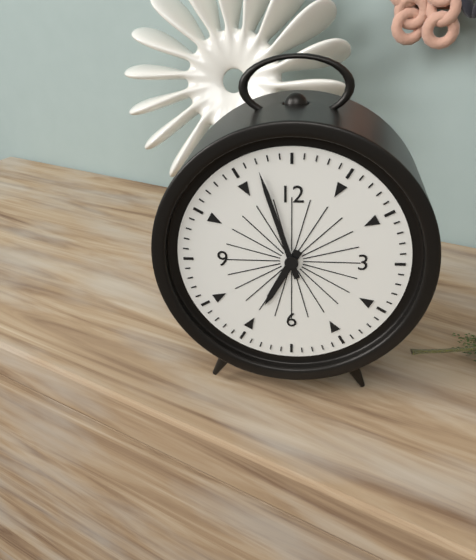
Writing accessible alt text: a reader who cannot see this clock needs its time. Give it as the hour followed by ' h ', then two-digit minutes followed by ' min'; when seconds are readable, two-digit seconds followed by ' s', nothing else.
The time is 6 h 57 min
